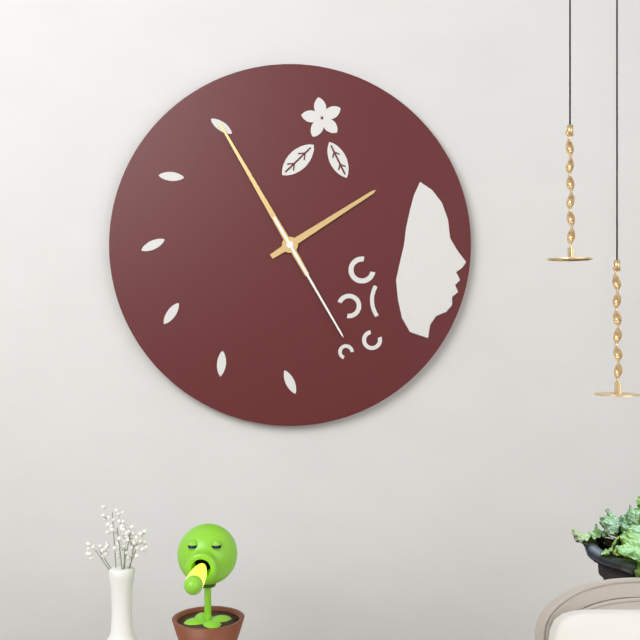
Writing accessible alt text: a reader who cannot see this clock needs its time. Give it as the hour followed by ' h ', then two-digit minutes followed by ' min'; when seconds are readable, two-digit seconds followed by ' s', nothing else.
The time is 1 h 55 min 25 s
